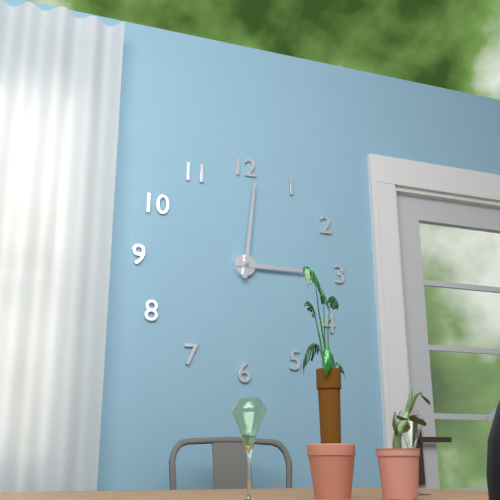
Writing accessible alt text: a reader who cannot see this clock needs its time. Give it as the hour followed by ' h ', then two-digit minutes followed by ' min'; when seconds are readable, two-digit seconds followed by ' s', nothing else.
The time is 3 h 01 min
